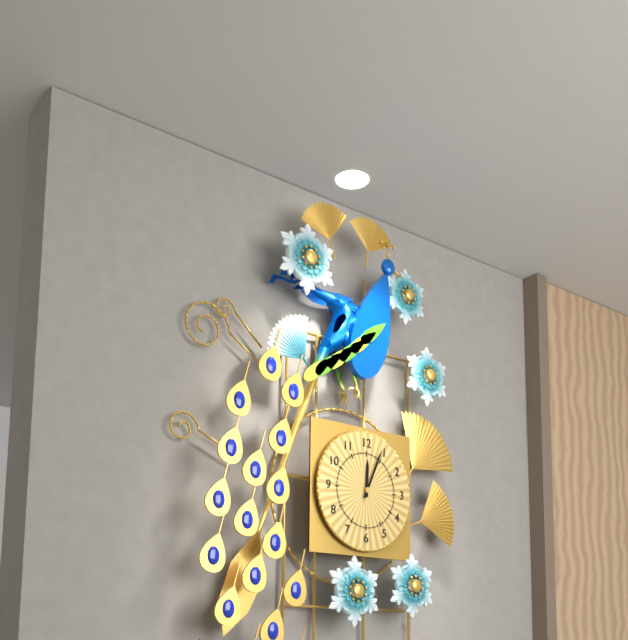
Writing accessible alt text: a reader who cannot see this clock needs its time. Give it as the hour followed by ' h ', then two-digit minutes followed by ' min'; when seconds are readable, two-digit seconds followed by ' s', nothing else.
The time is 12 h 04 min
